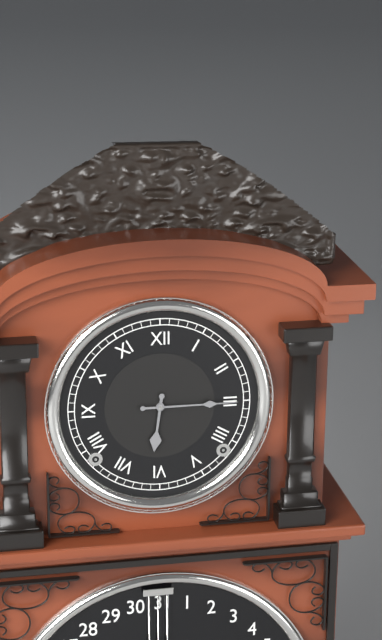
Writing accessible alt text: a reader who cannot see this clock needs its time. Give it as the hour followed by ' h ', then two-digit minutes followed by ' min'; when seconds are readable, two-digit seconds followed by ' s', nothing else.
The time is 6 h 15 min
